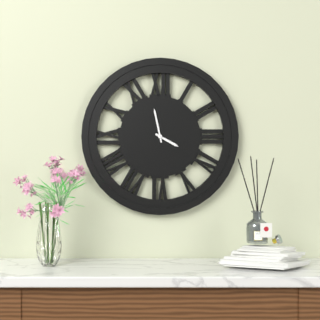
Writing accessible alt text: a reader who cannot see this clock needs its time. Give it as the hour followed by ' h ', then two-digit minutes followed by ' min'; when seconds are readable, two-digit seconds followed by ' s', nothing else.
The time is 3 h 58 min
